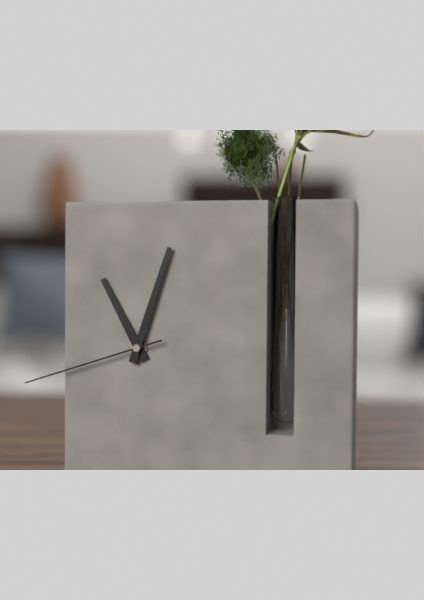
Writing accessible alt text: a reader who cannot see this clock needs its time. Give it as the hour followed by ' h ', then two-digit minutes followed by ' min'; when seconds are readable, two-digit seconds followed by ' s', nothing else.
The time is 11 h 03 min 42 s
